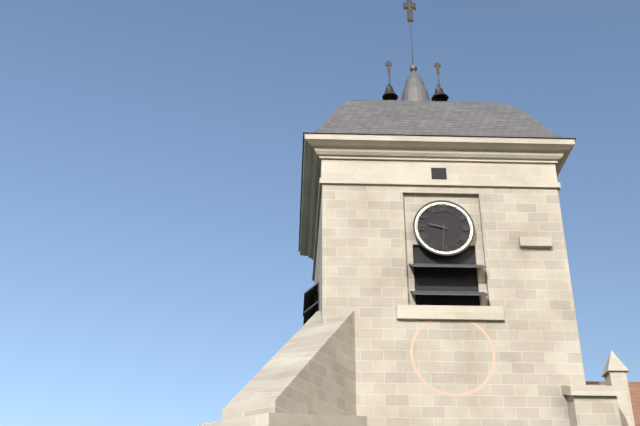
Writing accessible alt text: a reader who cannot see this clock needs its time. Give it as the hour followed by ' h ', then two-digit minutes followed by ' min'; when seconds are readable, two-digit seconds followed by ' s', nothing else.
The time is 9 h 31 min
